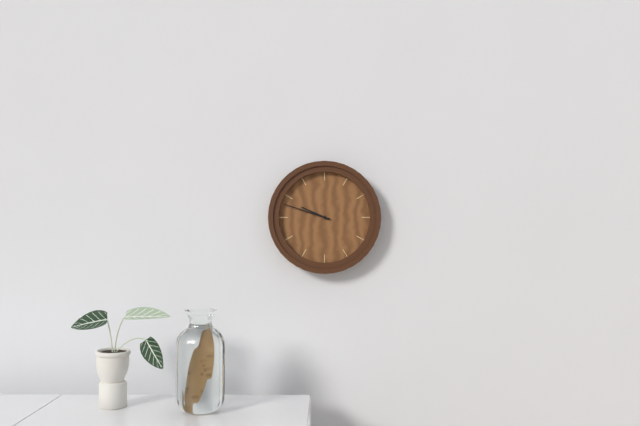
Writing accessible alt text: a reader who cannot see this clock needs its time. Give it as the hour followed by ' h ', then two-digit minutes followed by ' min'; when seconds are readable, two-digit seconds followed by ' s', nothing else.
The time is 9 h 48 min
